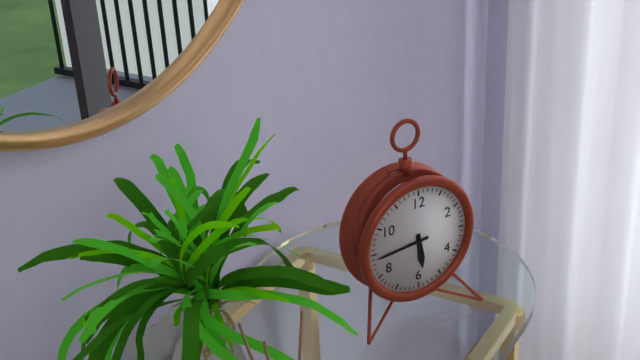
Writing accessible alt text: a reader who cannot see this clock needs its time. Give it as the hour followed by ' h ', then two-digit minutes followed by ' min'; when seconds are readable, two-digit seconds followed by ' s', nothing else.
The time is 5 h 44 min
